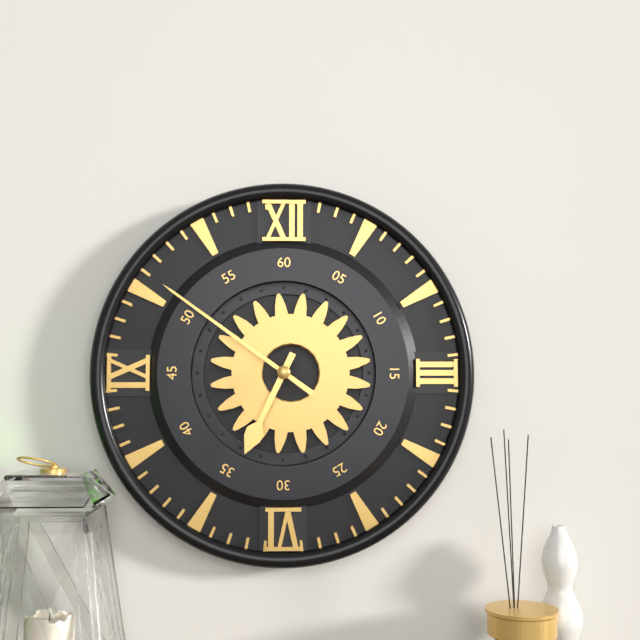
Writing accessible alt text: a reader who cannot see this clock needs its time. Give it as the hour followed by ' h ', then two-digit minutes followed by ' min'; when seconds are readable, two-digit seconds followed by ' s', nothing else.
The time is 6 h 51 min
